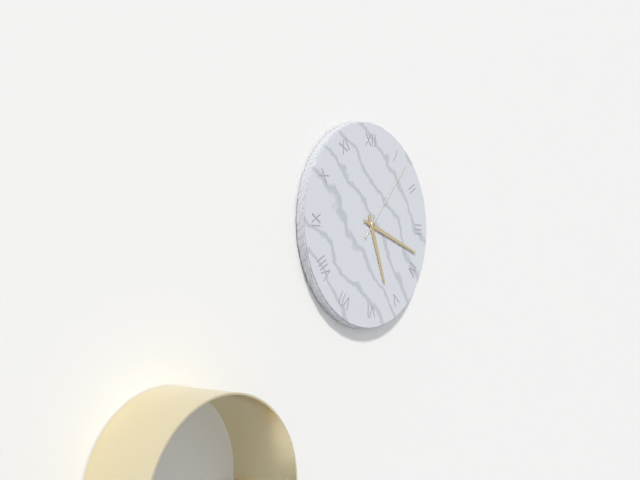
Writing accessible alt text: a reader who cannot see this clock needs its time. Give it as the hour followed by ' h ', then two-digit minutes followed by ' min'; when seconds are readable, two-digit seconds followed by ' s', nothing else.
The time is 5 h 18 min 07 s
